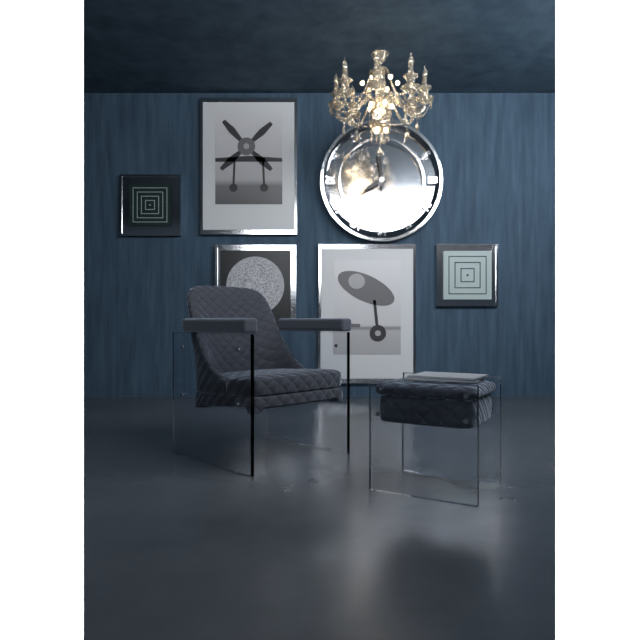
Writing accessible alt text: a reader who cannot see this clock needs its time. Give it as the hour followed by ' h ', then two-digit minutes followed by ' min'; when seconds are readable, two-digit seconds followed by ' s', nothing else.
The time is 7 h 59 min
